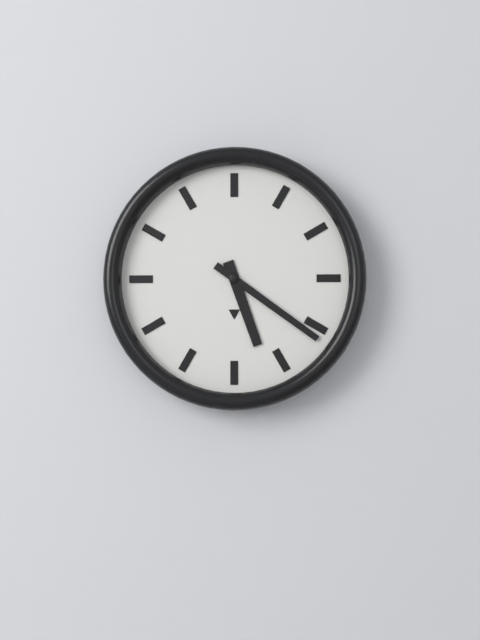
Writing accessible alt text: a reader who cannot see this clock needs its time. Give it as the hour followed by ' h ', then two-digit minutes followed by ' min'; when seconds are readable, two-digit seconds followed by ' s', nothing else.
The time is 5 h 21 min
